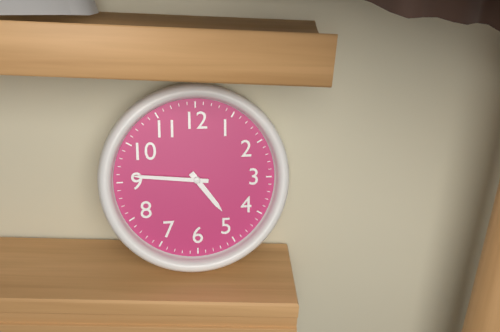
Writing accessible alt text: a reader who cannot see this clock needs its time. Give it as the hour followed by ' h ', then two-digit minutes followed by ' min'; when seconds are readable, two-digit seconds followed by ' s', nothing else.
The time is 4 h 46 min
